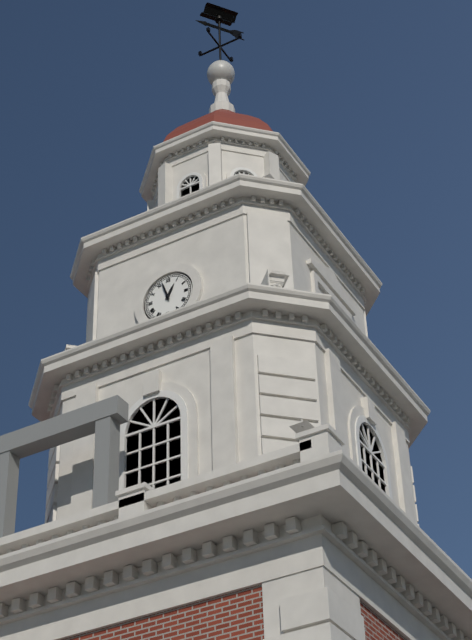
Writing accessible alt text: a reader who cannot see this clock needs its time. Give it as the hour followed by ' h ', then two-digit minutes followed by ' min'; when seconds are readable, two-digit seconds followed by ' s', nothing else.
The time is 12 h 57 min
